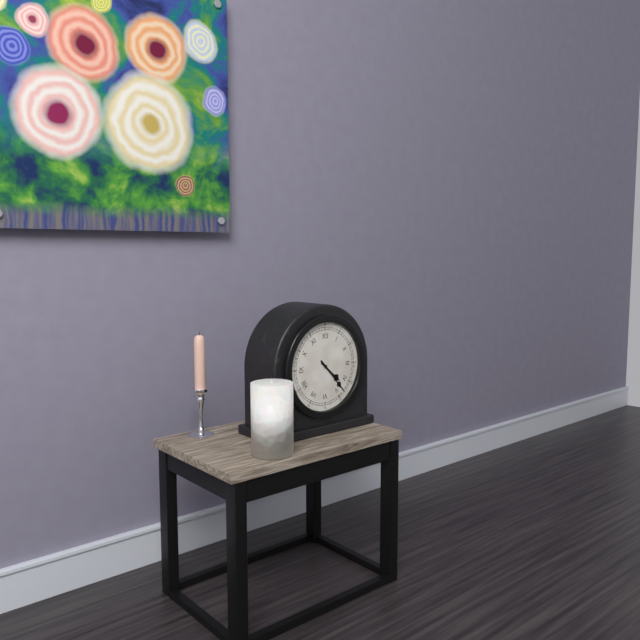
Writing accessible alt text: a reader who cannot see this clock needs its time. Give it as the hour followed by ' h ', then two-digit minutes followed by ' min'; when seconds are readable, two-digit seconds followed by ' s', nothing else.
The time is 4 h 23 min
